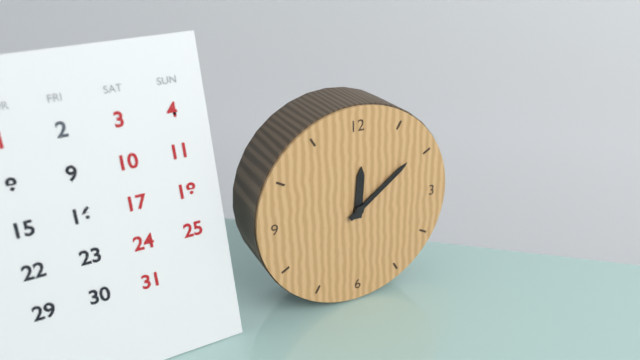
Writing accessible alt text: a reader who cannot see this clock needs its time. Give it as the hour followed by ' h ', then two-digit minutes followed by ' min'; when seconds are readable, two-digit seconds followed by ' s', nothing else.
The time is 12 h 09 min
